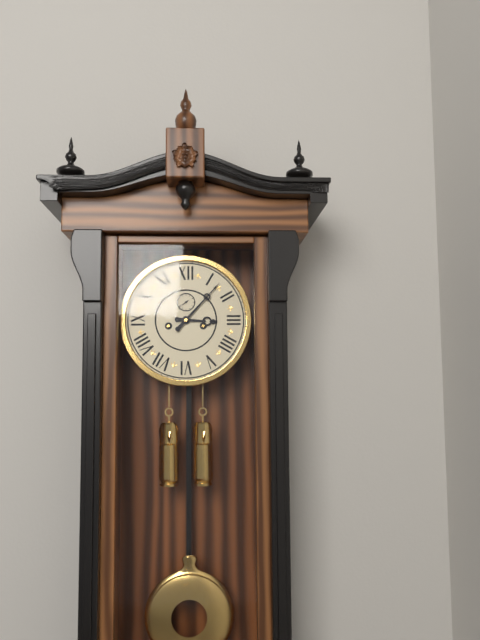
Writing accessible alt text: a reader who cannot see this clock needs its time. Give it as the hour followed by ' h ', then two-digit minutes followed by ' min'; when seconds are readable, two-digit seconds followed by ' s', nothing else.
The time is 3 h 07 min
